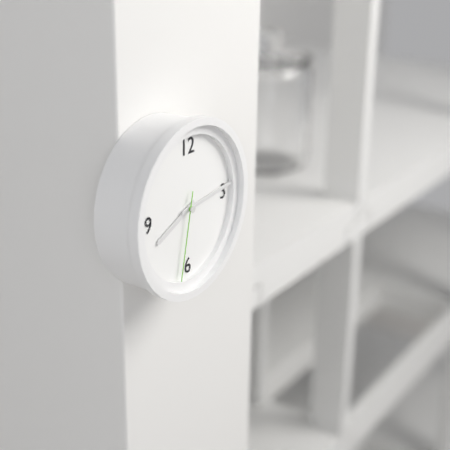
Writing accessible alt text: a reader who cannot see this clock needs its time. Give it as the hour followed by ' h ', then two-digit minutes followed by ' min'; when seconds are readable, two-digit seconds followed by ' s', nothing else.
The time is 8 h 14 min 32 s
